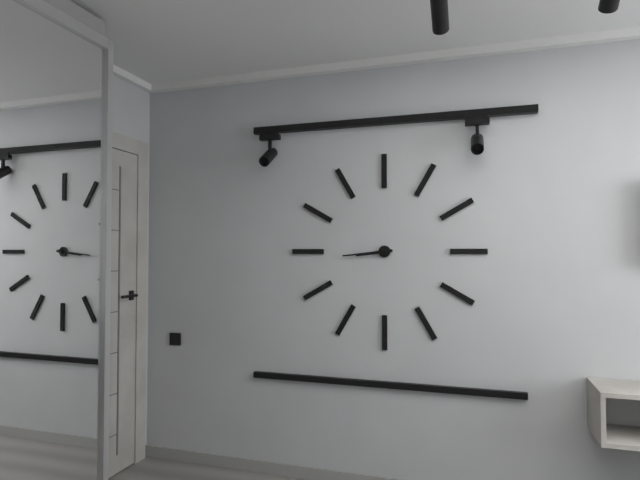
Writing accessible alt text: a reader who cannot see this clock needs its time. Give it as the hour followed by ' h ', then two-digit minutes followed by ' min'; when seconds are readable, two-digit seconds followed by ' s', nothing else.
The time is 8 h 44 min
